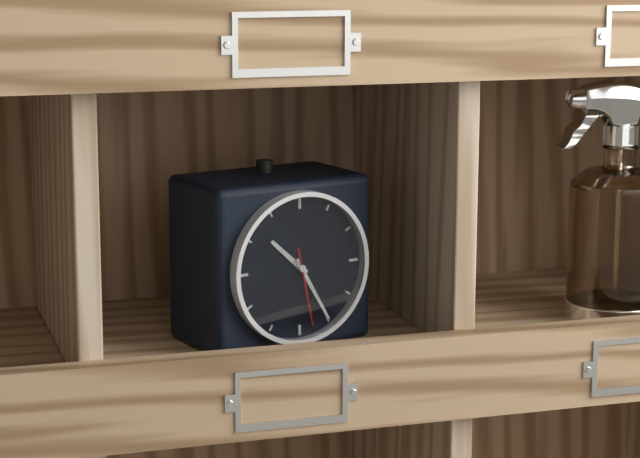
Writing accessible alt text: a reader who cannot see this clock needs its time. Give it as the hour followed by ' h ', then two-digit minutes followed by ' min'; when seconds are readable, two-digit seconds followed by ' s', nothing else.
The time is 10 h 25 min 28 s
